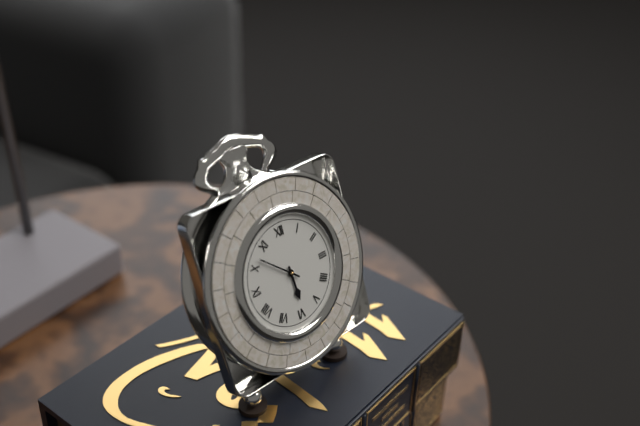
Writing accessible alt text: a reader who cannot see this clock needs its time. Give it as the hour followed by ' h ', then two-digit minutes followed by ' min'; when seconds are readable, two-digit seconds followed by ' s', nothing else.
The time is 5 h 52 min
